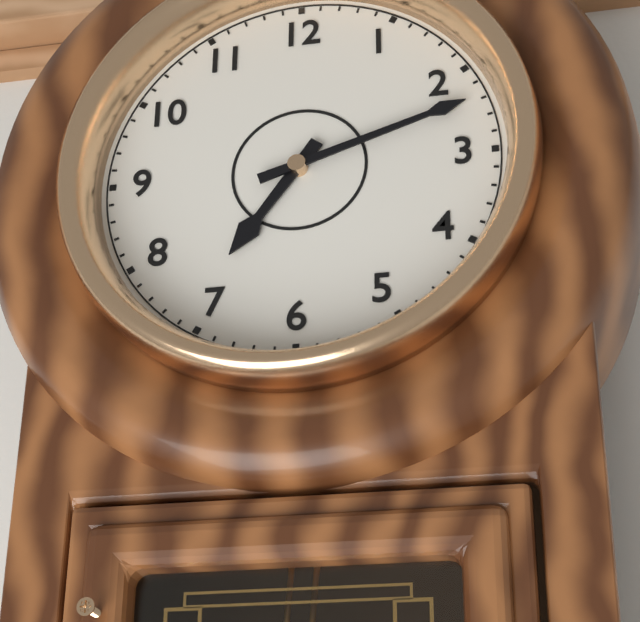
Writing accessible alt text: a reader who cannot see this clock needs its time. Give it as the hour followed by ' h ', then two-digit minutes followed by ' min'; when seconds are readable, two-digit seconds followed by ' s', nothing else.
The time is 7 h 12 min
